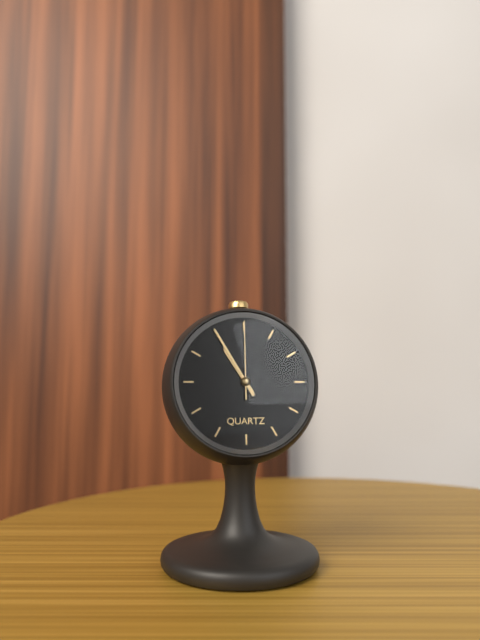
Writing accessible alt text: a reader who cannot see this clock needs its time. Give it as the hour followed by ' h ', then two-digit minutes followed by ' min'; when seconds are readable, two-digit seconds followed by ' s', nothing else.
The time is 10 h 55 min 00 s
